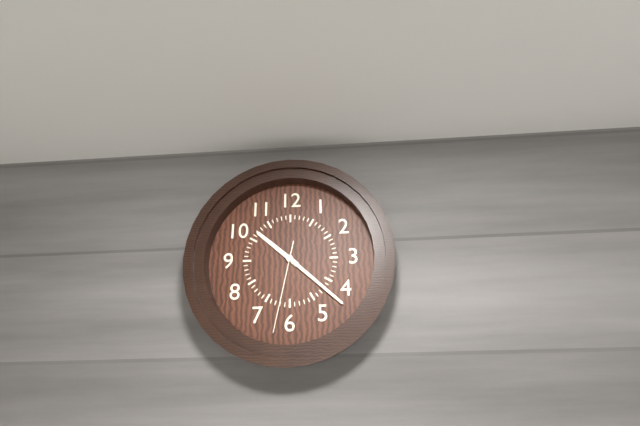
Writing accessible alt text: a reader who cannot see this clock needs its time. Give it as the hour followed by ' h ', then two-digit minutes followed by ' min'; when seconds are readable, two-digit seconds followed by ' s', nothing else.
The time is 10 h 22 min 32 s
